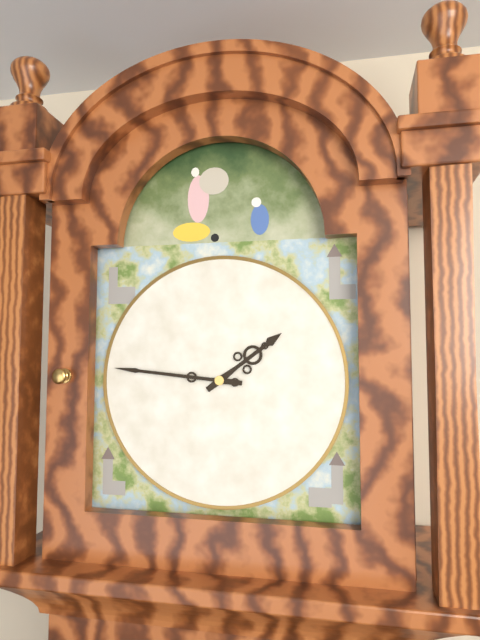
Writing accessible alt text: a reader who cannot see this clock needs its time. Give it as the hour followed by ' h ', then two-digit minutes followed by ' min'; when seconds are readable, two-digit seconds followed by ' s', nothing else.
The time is 1 h 46 min
